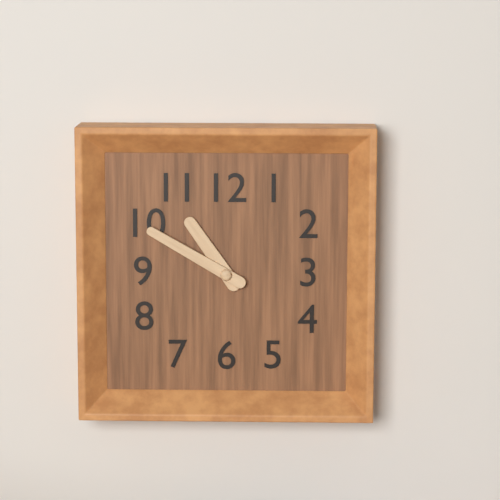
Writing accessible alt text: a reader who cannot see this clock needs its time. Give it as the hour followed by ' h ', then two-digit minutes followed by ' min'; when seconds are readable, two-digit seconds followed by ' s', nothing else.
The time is 10 h 50 min
